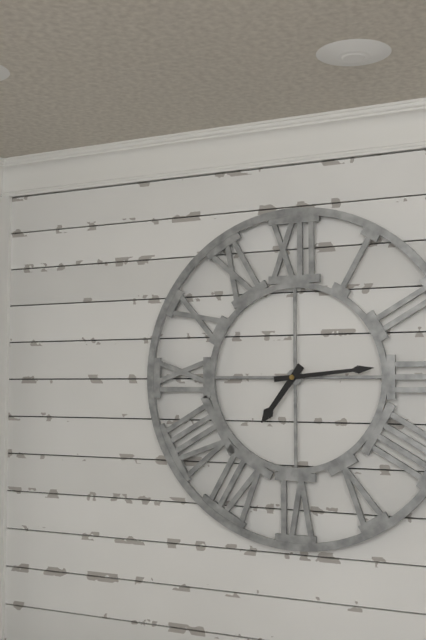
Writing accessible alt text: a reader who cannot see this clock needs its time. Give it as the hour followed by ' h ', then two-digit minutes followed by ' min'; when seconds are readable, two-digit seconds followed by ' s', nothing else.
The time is 7 h 14 min
